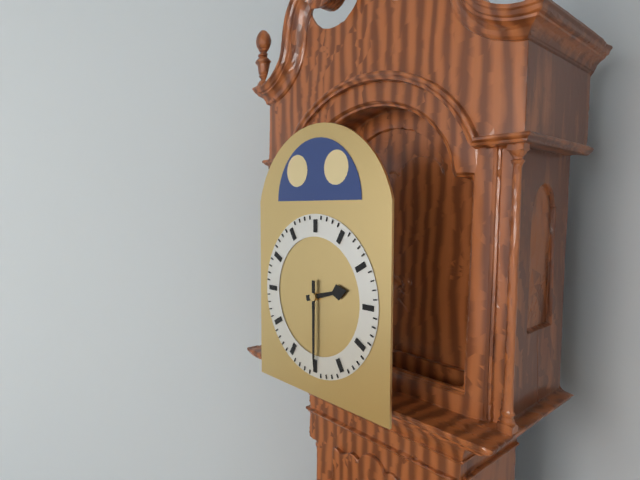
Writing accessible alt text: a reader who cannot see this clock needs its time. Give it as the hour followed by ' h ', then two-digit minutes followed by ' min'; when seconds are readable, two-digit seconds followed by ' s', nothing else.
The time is 2 h 30 min
